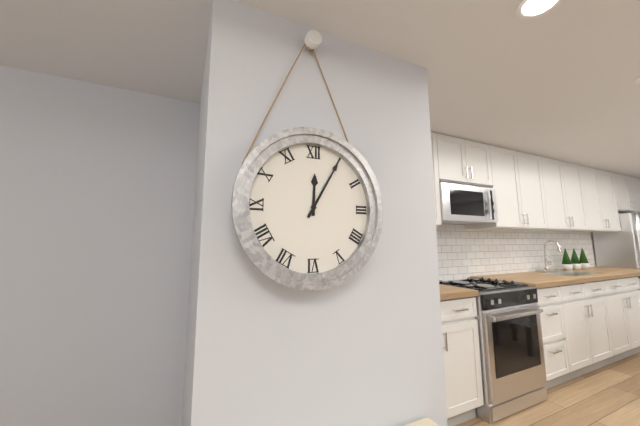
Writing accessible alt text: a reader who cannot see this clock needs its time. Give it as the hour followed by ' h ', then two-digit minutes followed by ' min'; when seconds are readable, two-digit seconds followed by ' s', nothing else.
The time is 12 h 05 min
